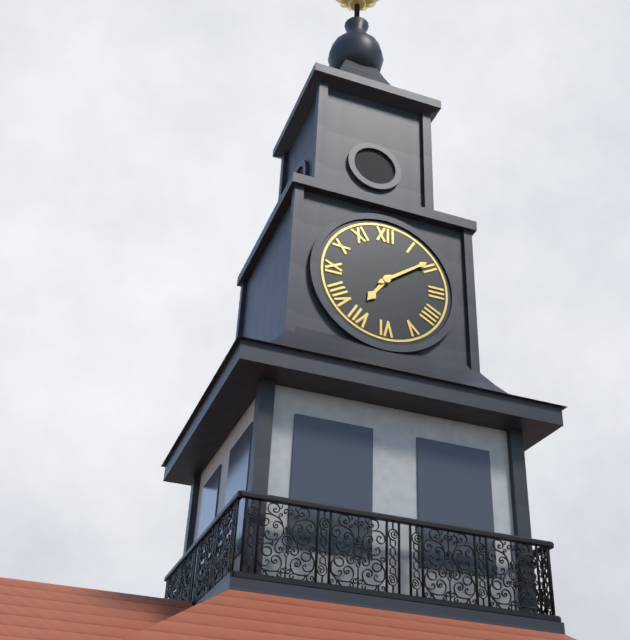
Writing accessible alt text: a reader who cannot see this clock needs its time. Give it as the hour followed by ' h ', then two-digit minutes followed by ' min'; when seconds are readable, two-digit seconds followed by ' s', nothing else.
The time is 7 h 09 min
